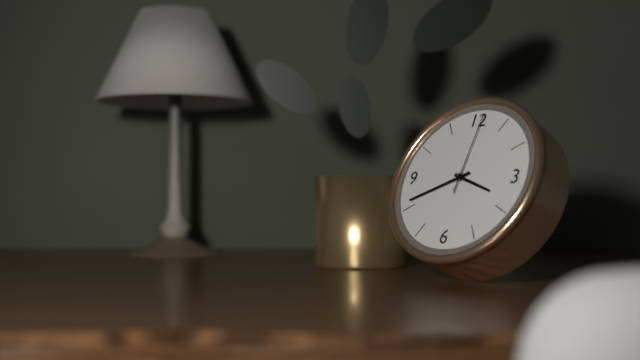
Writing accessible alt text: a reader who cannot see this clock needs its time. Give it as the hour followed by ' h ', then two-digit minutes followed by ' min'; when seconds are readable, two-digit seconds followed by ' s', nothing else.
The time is 3 h 41 min 01 s
